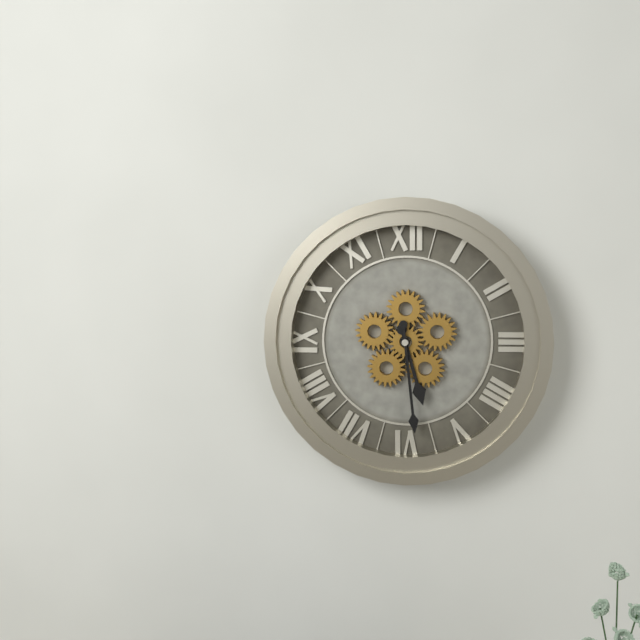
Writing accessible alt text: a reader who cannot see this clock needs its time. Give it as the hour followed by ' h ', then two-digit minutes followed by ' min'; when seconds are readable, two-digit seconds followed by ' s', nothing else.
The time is 5 h 29 min
